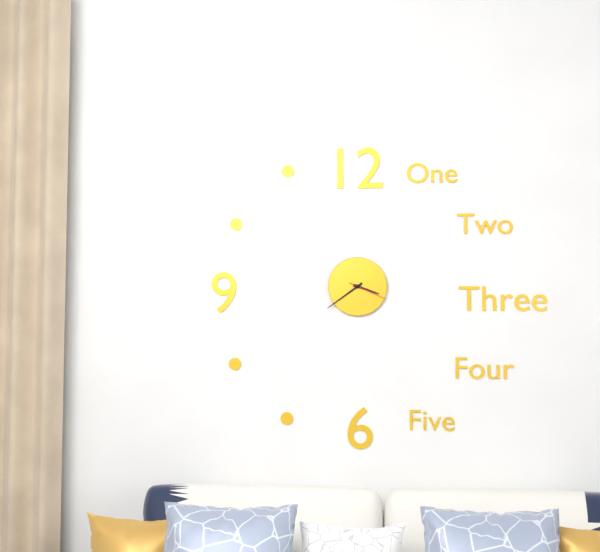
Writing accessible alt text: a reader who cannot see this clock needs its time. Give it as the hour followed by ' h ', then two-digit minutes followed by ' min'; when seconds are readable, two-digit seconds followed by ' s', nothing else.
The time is 3 h 39 min
